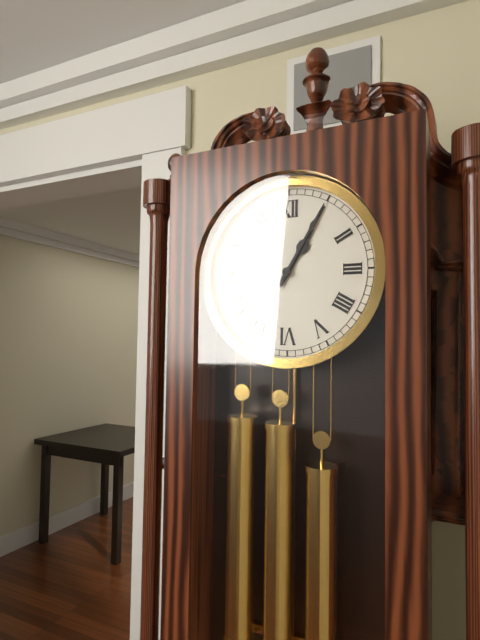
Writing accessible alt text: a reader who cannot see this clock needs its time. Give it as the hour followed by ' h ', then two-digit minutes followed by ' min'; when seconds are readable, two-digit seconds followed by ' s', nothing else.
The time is 1 h 05 min
